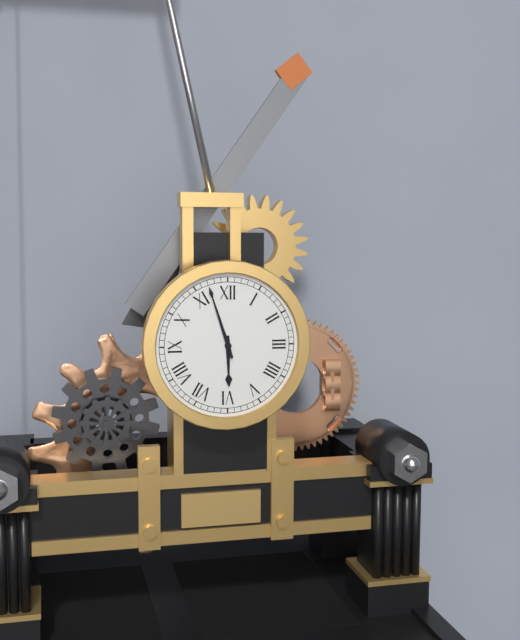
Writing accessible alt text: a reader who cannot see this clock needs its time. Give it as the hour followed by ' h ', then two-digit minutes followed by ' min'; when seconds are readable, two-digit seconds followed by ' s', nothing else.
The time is 5 h 57 min
